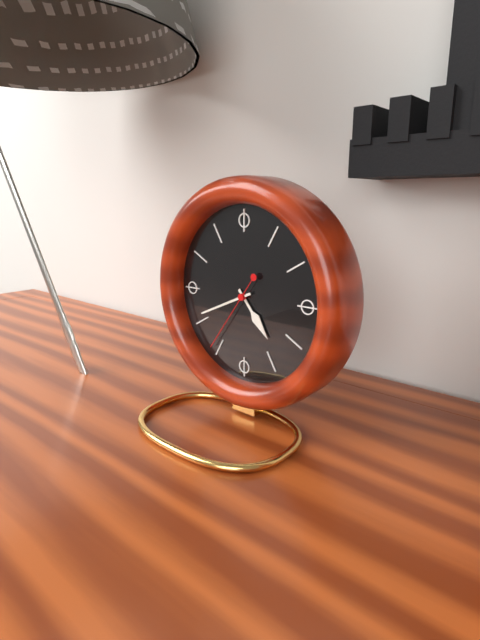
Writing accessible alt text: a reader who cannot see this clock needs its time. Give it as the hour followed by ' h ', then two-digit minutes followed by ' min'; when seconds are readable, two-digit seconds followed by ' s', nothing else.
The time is 4 h 41 min 36 s
